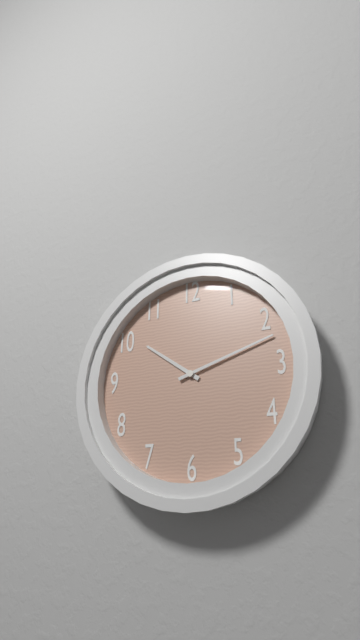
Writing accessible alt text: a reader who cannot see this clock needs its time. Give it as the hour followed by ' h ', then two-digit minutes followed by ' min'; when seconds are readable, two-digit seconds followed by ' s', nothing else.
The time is 10 h 12 min
